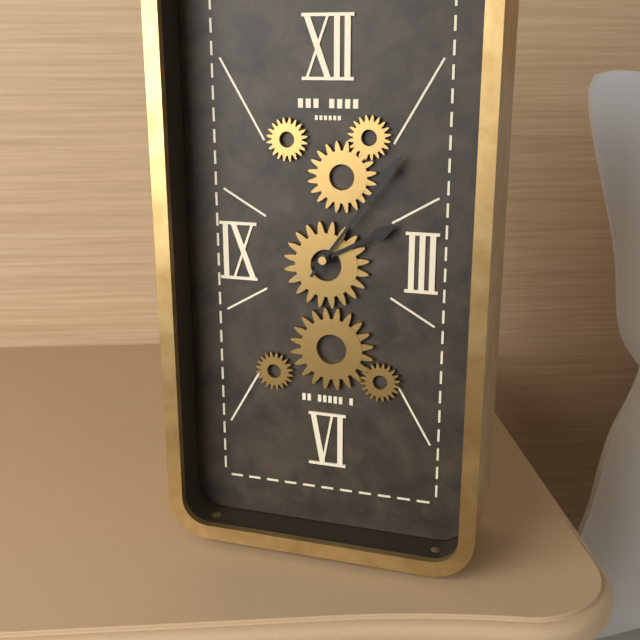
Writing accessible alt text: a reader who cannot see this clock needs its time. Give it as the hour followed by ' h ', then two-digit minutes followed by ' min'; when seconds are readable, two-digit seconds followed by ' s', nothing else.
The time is 2 h 06 min
